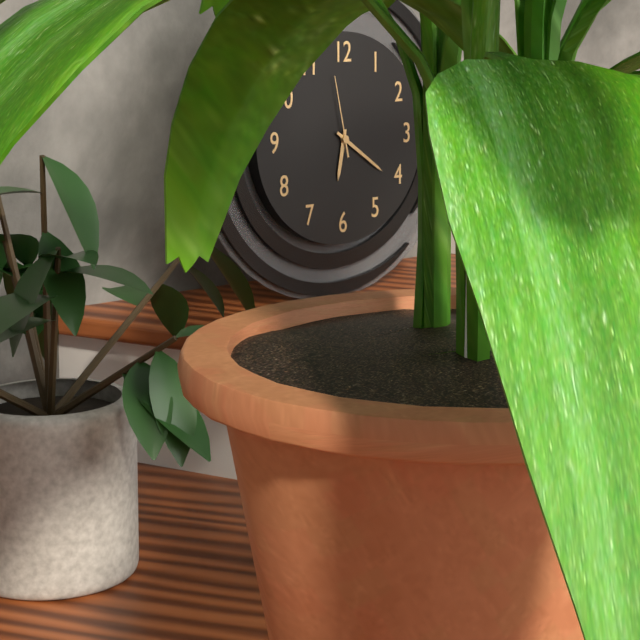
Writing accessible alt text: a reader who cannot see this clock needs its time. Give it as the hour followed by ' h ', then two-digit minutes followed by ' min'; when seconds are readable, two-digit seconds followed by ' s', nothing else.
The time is 6 h 21 min 58 s
